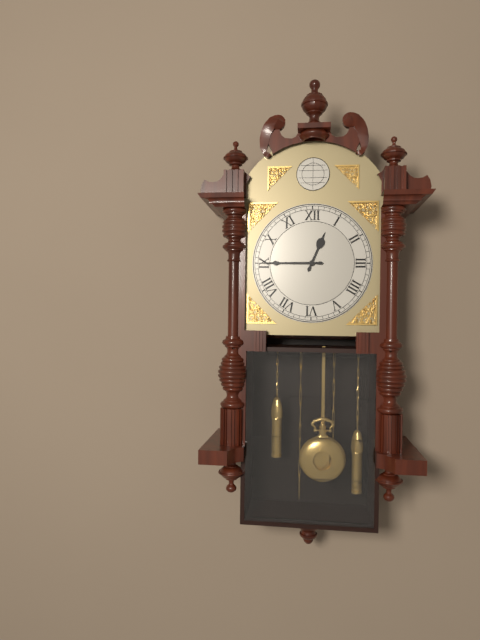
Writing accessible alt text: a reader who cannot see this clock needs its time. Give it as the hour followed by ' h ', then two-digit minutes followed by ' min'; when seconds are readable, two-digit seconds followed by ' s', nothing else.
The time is 12 h 45 min
